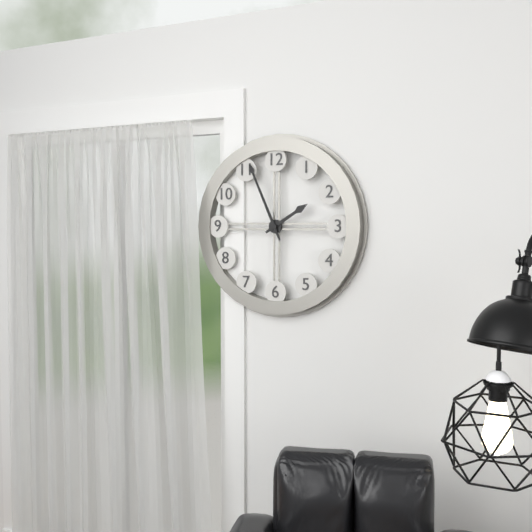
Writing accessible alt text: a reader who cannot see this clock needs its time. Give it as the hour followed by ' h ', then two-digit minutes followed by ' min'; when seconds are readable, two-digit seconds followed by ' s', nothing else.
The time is 1 h 56 min
